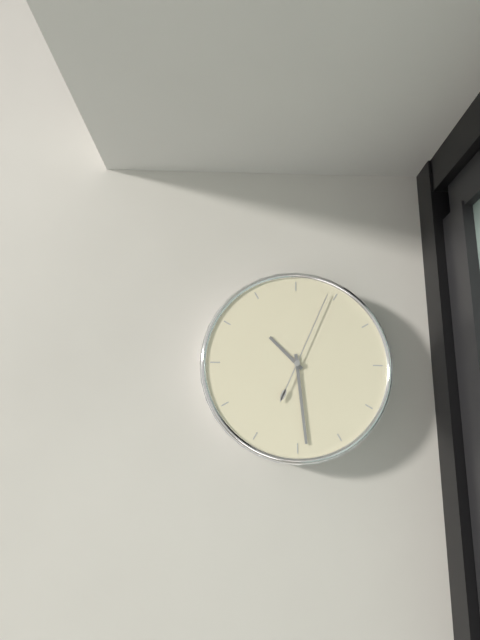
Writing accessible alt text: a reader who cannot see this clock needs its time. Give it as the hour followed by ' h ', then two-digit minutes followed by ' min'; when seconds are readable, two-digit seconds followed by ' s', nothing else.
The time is 10 h 29 min 04 s
